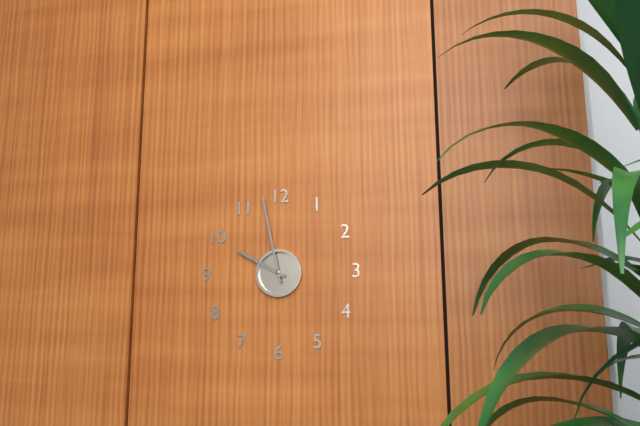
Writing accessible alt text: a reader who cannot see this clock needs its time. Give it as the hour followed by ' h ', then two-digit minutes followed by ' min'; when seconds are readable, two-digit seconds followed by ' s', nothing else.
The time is 9 h 58 min
